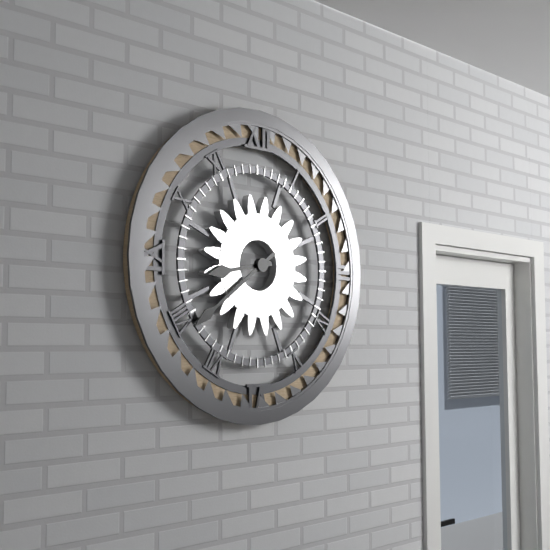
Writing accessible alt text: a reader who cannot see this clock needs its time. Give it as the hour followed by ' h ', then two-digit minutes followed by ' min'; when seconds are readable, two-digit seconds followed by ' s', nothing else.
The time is 8 h 39 min
